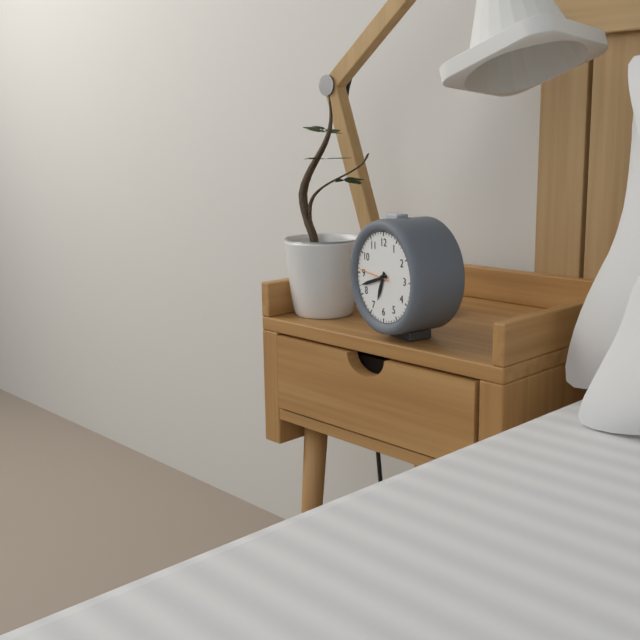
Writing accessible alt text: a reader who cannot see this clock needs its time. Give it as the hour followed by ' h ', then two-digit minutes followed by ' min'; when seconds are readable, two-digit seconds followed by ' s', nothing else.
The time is 6 h 42 min 46 s
